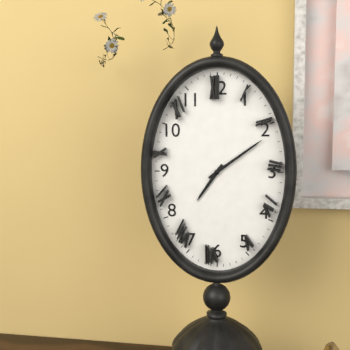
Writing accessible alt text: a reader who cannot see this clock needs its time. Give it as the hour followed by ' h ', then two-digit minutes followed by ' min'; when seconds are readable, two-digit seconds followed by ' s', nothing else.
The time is 7 h 09 min
